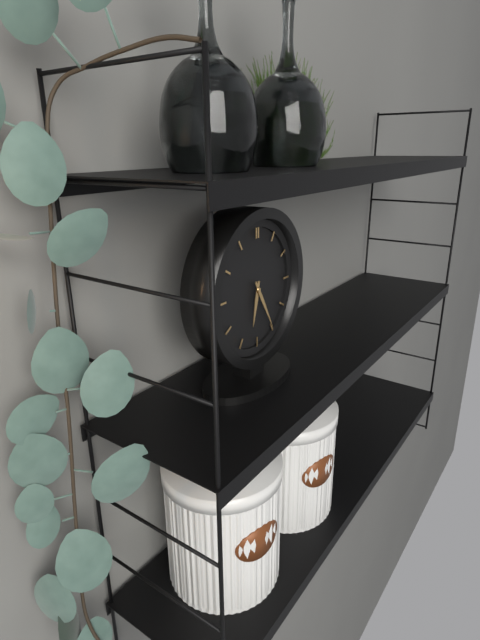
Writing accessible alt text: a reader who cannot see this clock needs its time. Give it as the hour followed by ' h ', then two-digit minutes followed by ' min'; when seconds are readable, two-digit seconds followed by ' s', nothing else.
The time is 6 h 25 min
